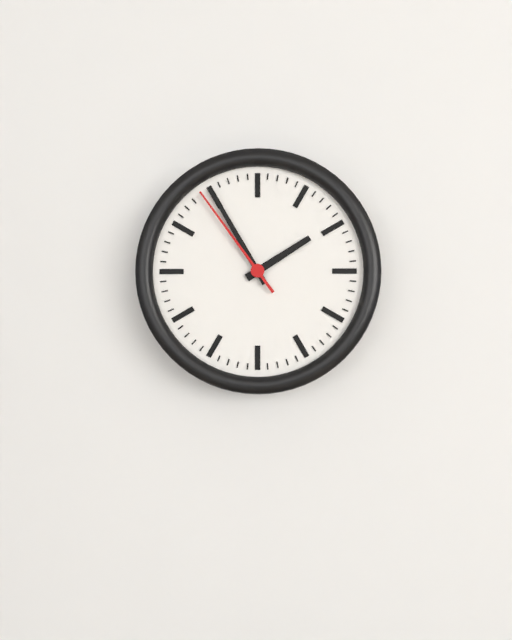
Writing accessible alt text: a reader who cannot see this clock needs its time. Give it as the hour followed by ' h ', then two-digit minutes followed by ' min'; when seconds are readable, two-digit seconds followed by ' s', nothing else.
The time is 1 h 55 min 54 s
